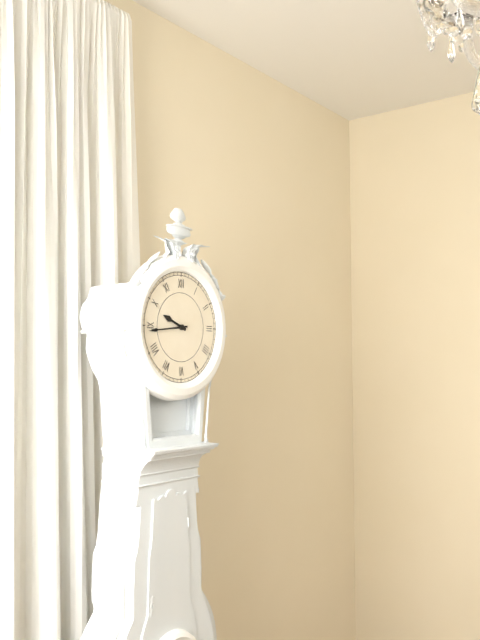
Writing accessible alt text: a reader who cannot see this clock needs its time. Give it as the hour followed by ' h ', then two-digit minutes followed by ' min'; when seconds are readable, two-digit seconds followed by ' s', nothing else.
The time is 9 h 44 min
